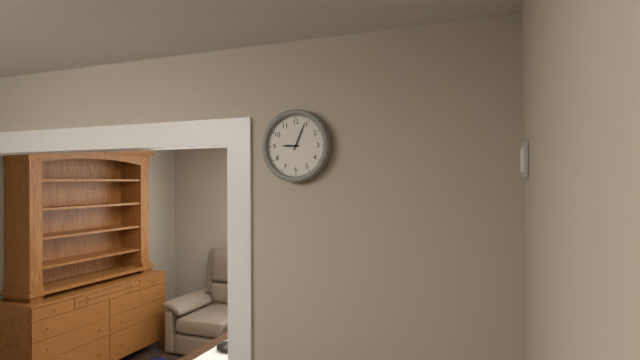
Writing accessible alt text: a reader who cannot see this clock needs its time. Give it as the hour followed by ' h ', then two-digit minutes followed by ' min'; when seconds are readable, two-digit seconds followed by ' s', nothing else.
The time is 9 h 04 min
